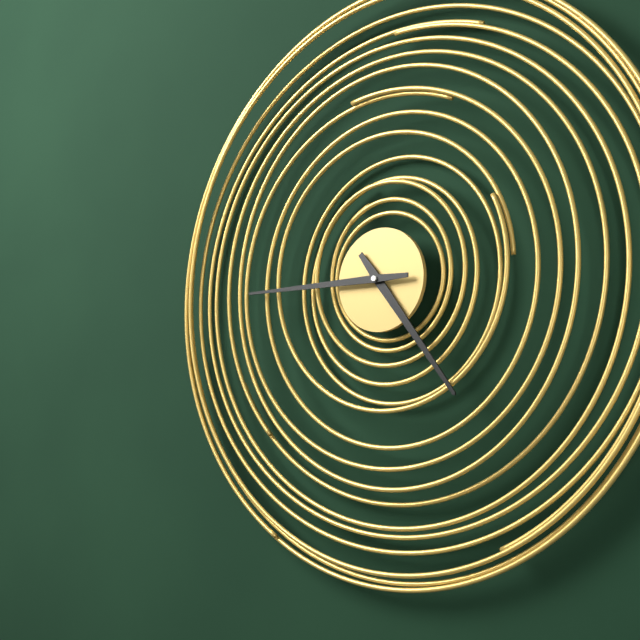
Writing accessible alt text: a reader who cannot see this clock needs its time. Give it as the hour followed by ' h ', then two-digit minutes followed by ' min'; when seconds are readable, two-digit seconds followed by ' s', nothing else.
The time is 4 h 45 min
